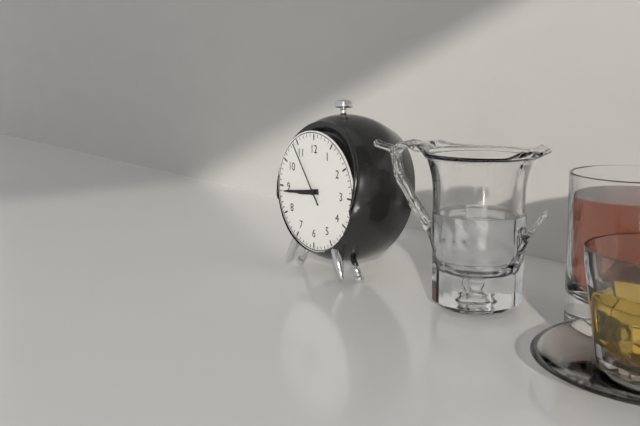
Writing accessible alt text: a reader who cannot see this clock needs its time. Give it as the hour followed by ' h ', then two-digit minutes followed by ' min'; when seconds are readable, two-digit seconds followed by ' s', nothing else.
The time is 8 h 44 min 54 s
